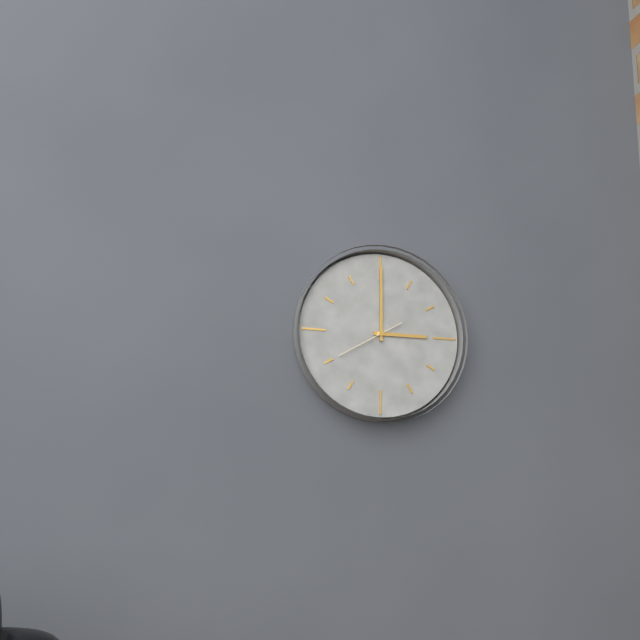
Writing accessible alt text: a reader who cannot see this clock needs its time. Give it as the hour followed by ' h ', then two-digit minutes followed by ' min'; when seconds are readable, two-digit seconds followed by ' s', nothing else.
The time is 3 h 00 min 40 s
